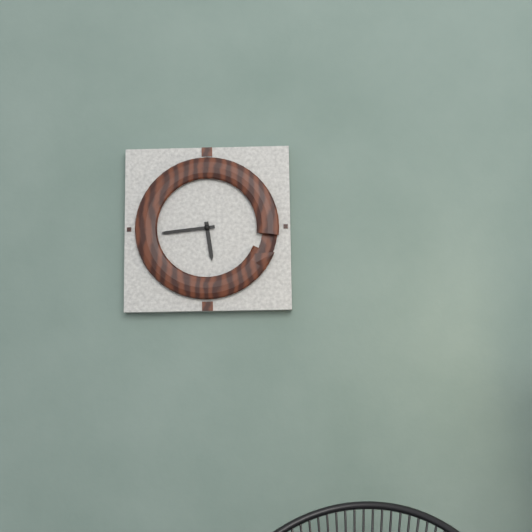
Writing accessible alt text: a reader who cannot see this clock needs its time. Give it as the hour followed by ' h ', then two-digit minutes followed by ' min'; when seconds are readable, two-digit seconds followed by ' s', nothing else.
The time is 5 h 44 min
